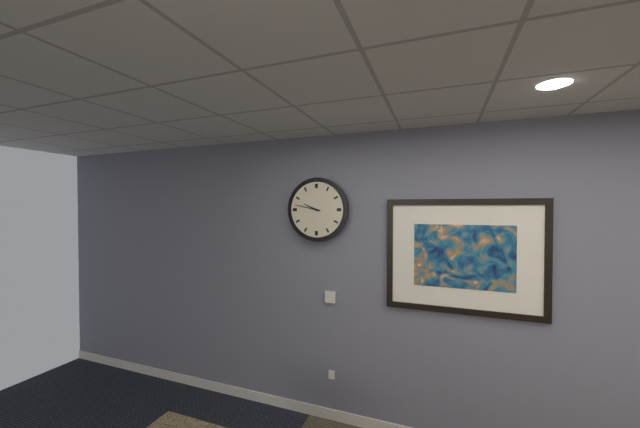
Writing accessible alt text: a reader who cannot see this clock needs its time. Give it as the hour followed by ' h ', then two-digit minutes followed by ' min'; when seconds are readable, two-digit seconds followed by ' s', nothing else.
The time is 9 h 47 min
